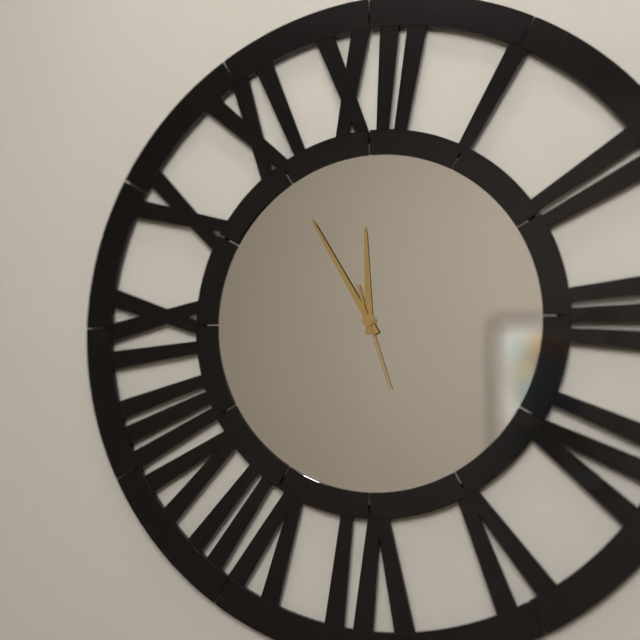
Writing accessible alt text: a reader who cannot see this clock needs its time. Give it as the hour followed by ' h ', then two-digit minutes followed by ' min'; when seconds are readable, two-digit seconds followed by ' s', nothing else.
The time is 11 h 55 min 27 s
